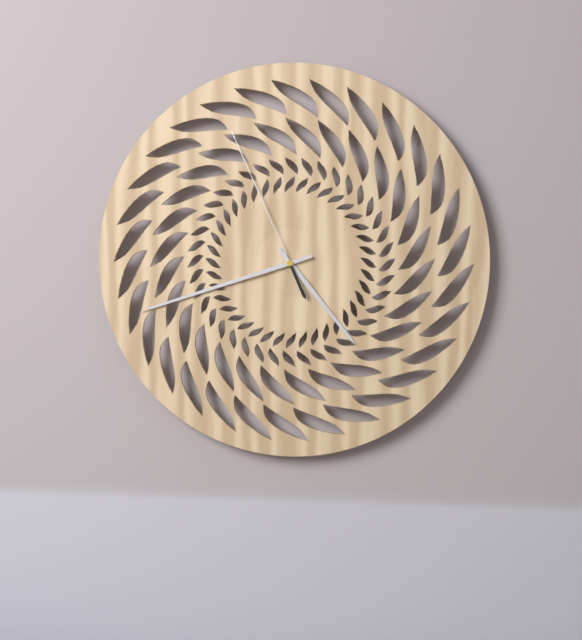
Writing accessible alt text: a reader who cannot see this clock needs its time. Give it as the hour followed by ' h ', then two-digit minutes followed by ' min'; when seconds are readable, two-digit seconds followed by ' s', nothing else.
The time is 4 h 42 min 56 s
